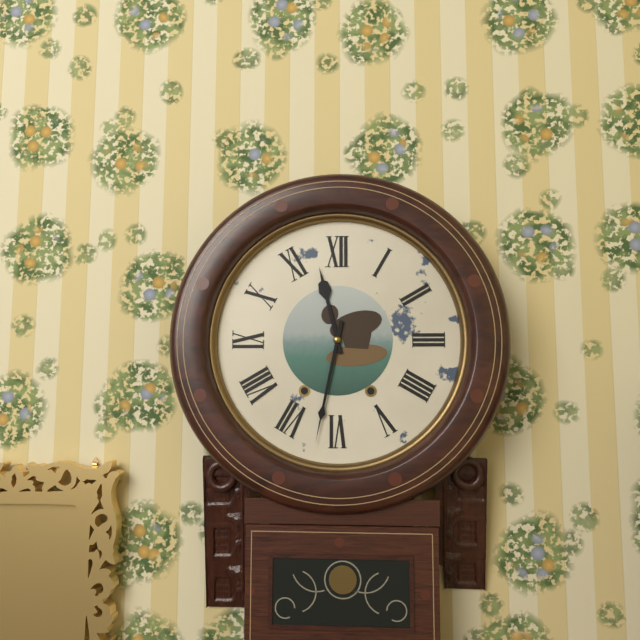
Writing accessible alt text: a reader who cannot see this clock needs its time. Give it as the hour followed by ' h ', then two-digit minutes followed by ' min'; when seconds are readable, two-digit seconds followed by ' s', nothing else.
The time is 11 h 32 min
